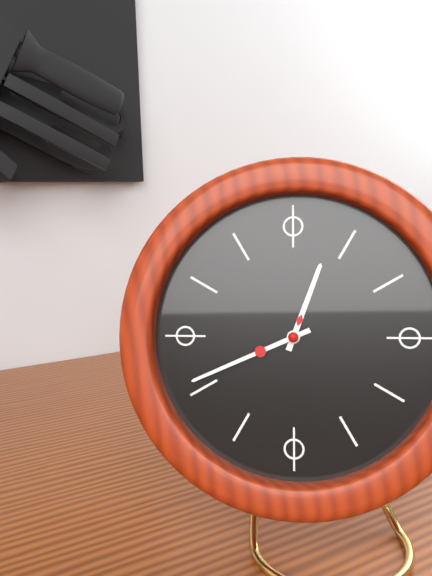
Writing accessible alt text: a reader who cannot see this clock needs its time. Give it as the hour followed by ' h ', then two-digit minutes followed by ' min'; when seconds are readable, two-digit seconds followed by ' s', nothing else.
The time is 12 h 41 min
